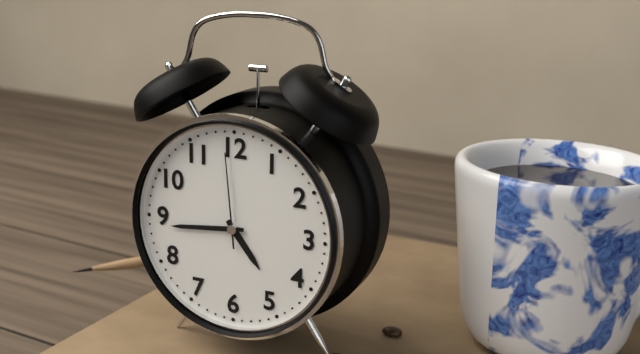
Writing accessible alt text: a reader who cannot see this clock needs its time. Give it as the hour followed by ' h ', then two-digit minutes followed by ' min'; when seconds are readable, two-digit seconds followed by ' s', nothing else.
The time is 4 h 44 min 59 s
